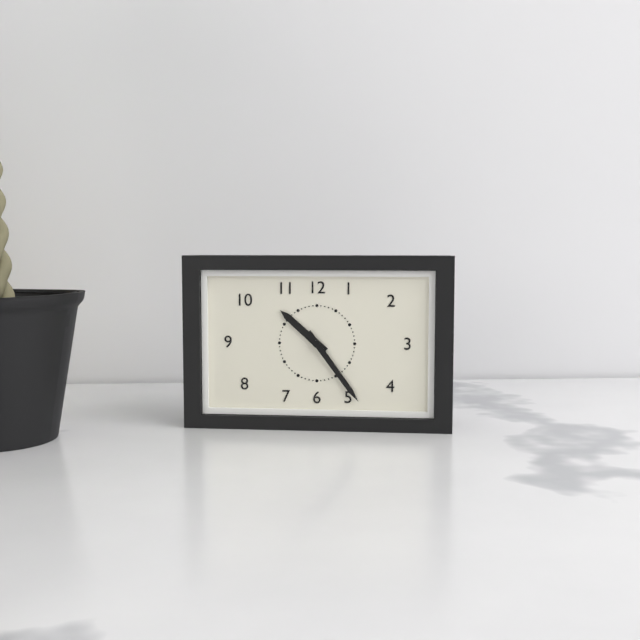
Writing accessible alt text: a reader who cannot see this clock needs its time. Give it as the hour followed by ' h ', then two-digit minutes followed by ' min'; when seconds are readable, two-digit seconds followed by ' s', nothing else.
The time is 10 h 24 min
